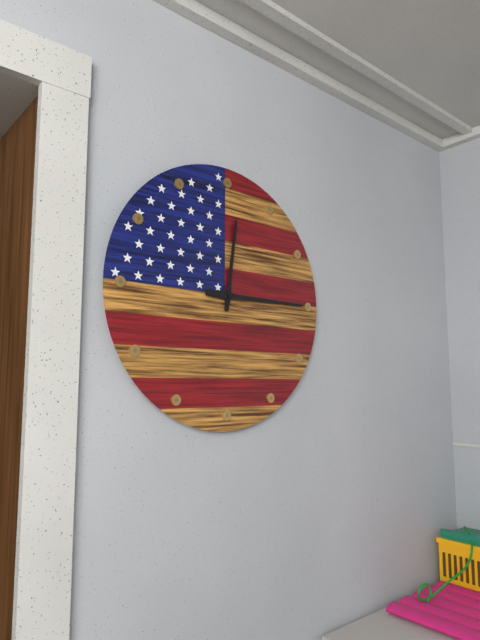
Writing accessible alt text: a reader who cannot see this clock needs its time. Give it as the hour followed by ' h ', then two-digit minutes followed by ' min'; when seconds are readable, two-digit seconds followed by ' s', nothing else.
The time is 12 h 15 min
